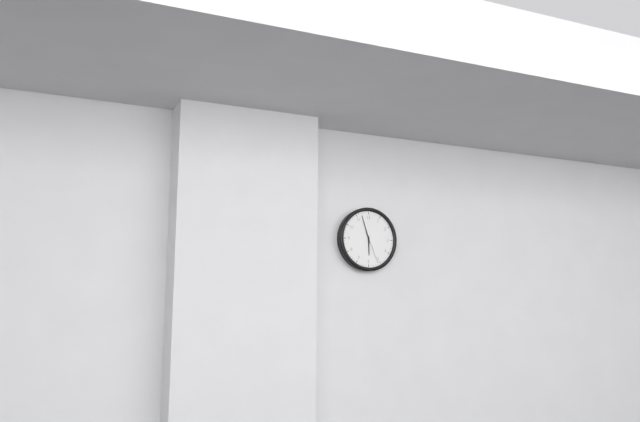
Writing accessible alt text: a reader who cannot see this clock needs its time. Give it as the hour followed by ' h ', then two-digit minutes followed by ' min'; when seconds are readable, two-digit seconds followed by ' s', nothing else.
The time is 5 h 57 min
